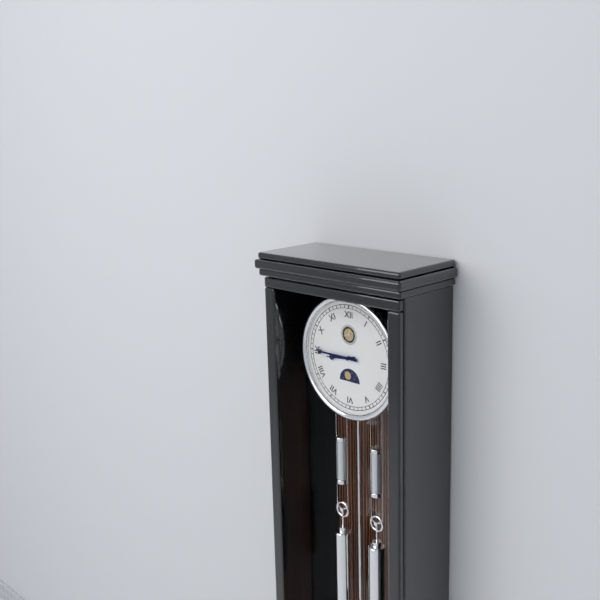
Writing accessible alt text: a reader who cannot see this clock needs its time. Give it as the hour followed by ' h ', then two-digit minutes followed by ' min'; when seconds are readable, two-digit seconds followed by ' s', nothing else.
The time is 8 h 45 min
